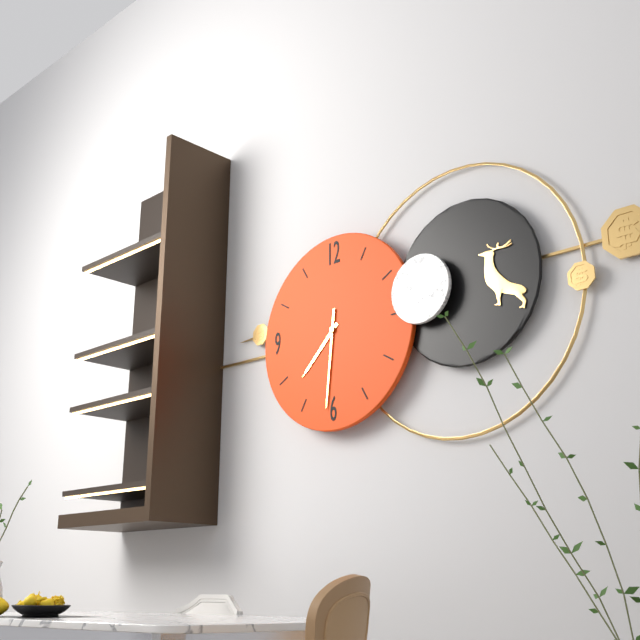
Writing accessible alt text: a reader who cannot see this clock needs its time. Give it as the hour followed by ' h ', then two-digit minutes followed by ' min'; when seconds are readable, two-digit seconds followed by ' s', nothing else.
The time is 7 h 31 min
